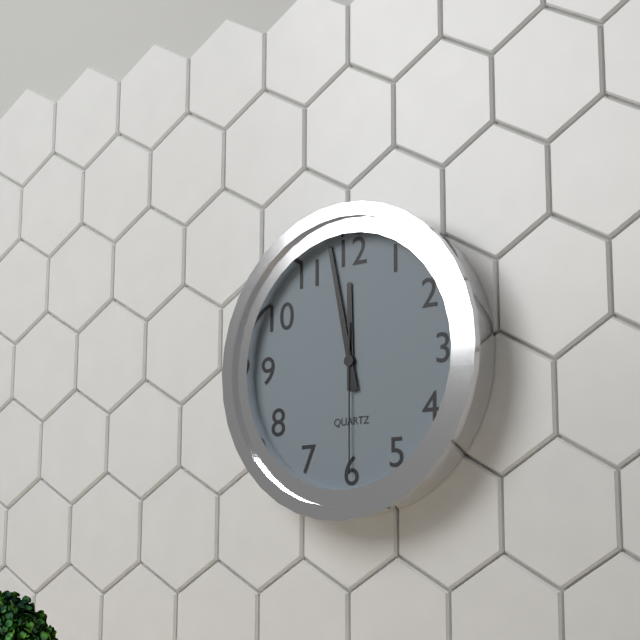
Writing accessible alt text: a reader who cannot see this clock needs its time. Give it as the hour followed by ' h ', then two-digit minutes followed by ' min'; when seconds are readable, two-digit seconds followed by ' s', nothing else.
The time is 11 h 58 min 30 s
